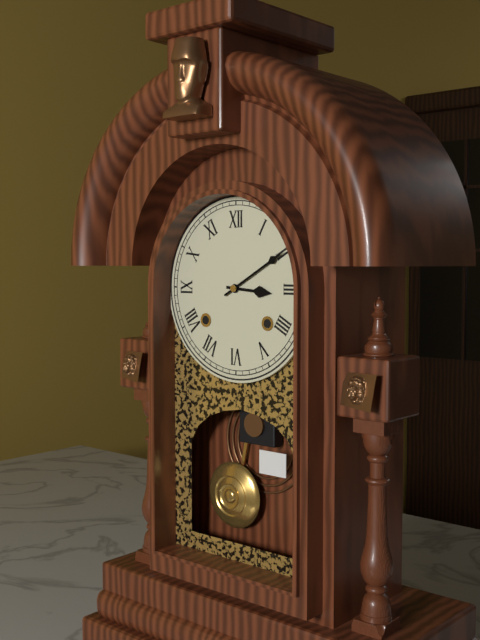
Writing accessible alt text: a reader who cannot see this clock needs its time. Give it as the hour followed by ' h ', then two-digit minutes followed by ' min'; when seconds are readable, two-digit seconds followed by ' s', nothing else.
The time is 3 h 10 min
